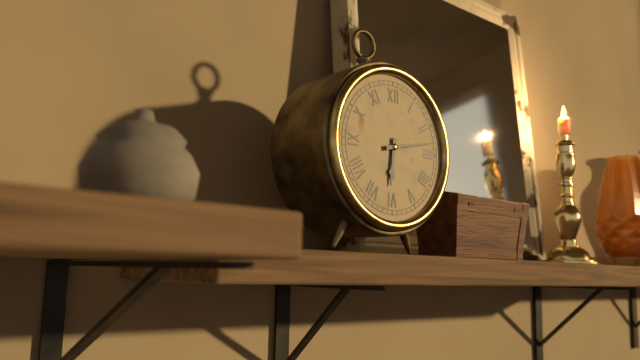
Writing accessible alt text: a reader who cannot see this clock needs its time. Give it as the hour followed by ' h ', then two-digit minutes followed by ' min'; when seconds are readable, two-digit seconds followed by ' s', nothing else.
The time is 6 h 13 min
